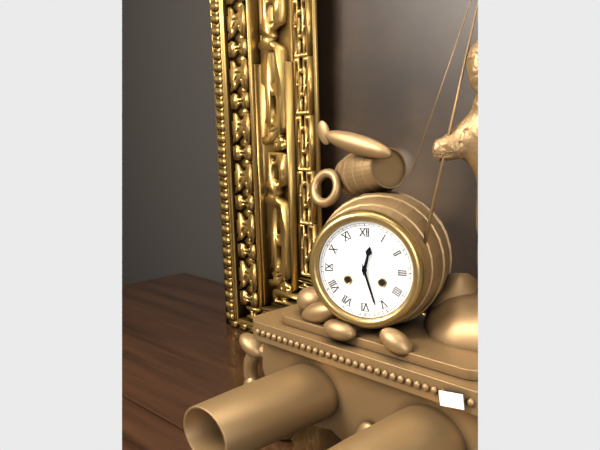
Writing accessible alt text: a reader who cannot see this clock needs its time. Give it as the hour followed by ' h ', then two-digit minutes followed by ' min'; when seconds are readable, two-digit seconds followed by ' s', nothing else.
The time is 12 h 27 min
